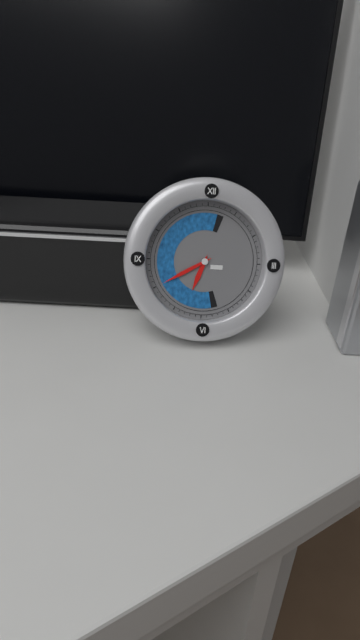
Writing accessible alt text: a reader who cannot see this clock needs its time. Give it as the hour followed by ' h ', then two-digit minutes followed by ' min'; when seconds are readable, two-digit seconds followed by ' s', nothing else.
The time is 6 h 40 min
